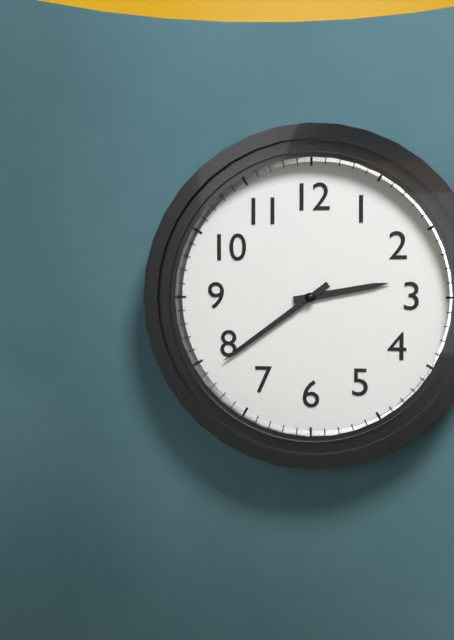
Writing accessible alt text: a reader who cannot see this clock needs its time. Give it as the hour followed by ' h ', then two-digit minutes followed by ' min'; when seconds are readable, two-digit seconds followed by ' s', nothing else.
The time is 2 h 39 min
